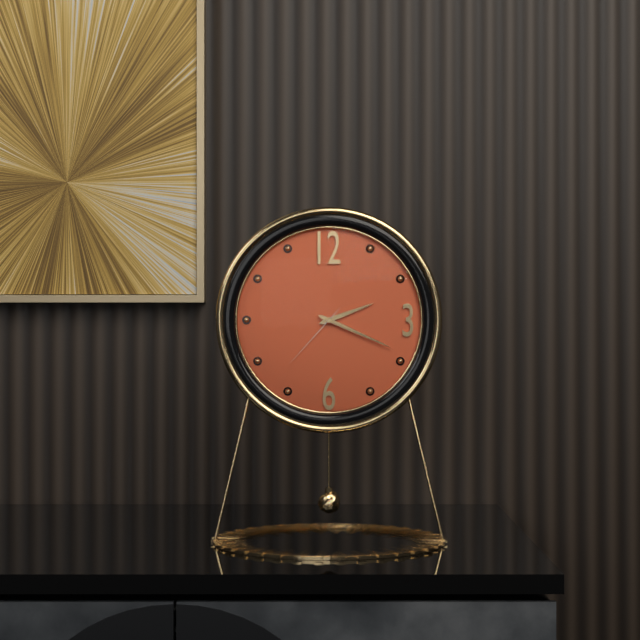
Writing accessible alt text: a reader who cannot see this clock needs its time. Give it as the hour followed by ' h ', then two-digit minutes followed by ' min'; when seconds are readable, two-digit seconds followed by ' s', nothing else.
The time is 2 h 19 min 37 s
